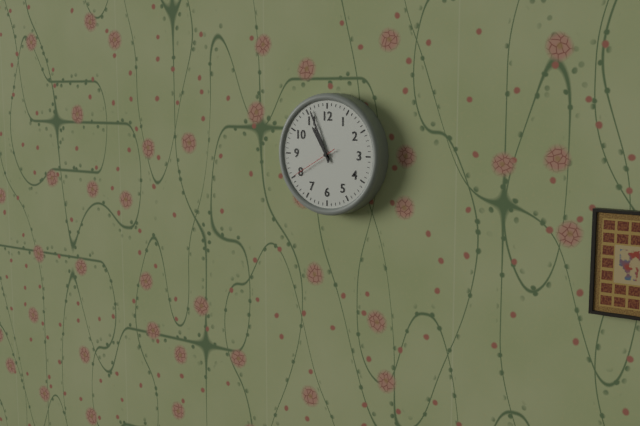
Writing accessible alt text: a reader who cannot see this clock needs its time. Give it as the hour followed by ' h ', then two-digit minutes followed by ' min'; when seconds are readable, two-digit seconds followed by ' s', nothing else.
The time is 10 h 56 min
